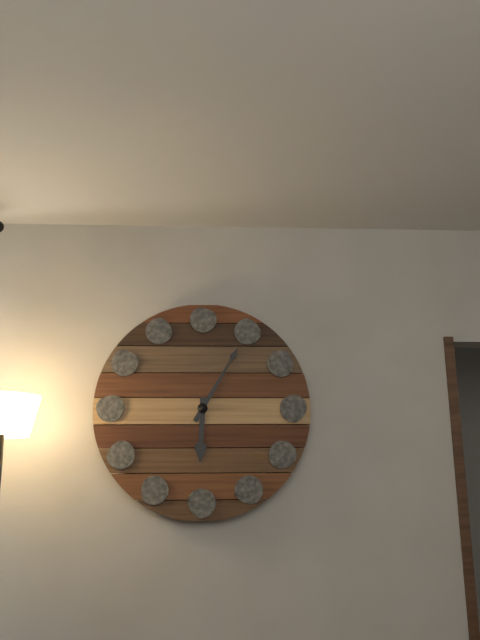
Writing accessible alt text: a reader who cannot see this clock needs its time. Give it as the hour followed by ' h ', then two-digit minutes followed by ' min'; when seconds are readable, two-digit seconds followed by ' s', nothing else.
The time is 6 h 05 min
